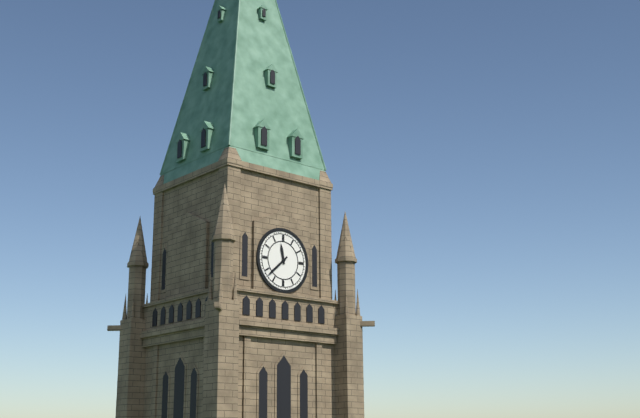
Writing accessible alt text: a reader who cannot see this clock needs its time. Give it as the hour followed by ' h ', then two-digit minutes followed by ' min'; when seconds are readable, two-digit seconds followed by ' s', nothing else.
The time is 11 h 38 min
